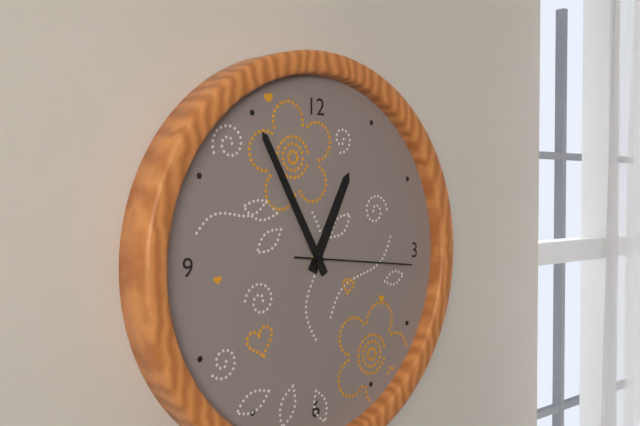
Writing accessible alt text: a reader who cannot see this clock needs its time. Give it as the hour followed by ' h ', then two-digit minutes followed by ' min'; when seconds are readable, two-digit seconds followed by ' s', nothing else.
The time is 12 h 55 min 16 s
